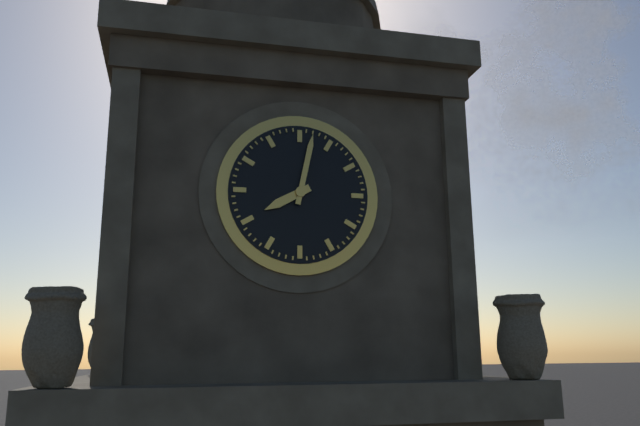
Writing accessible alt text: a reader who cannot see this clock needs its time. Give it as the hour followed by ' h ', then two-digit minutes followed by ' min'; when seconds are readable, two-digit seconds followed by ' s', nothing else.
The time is 8 h 02 min
